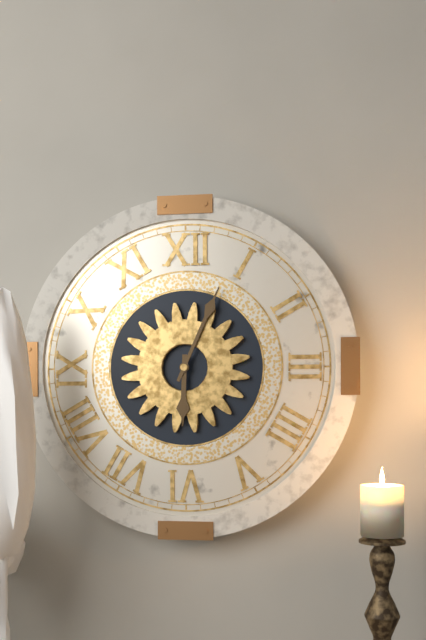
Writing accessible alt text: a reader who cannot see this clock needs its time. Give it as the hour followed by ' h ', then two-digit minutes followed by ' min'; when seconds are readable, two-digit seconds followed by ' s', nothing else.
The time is 6 h 04 min
